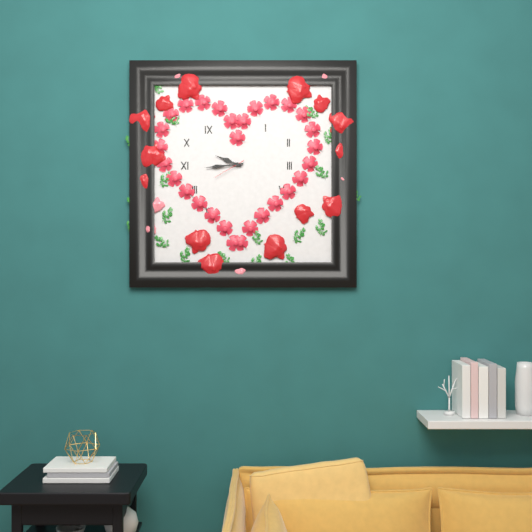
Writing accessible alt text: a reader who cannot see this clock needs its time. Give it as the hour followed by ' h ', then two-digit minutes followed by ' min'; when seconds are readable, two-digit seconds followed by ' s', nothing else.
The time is 9 h 44 min
